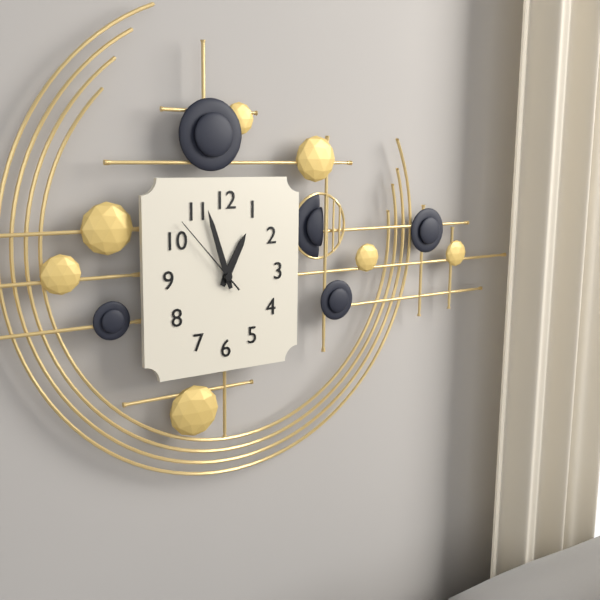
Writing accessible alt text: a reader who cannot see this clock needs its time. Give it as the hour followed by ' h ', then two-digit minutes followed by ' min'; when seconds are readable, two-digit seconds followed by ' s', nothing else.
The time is 12 h 57 min 53 s
